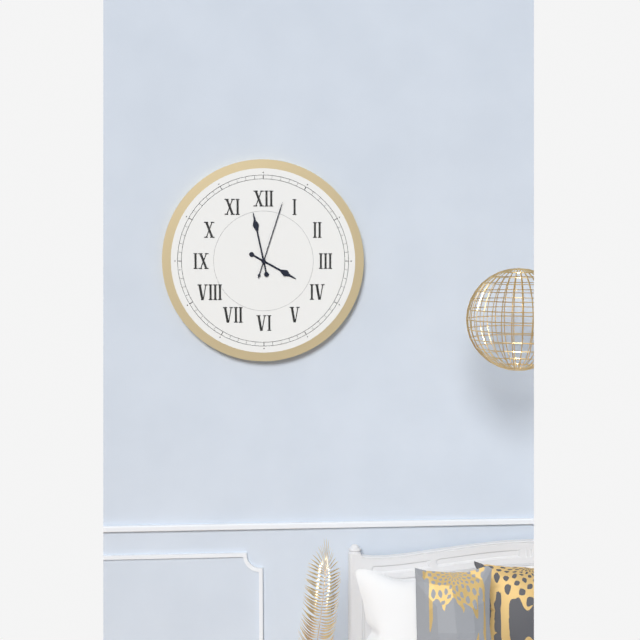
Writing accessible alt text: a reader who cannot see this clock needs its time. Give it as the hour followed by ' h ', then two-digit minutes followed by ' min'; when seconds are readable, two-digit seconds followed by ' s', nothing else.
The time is 3 h 58 min 03 s
